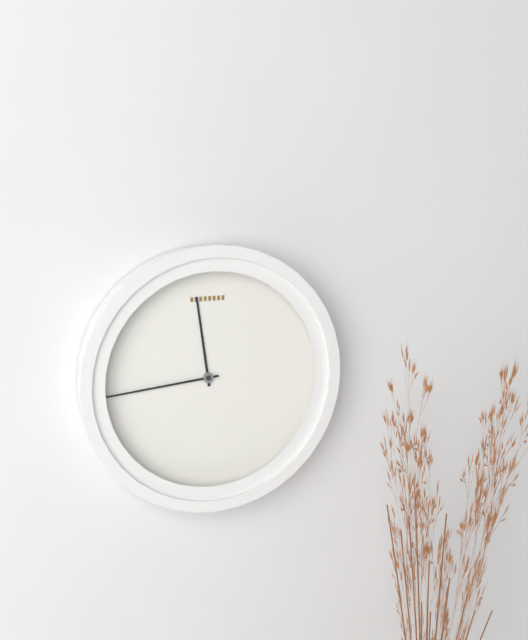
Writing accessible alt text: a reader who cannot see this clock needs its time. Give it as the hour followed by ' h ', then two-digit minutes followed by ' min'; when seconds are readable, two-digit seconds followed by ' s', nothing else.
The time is 11 h 44 min
